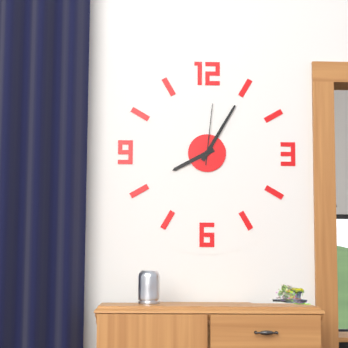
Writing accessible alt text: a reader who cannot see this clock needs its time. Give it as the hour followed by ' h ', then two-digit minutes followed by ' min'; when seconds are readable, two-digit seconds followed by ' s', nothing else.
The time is 8 h 05 min 01 s
